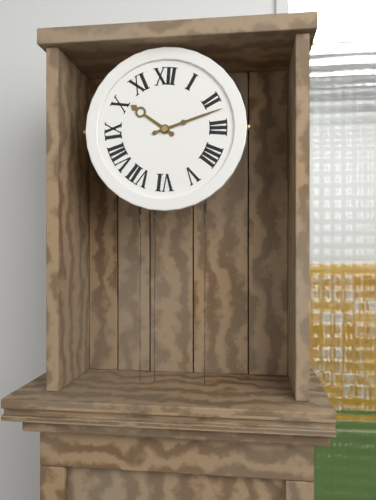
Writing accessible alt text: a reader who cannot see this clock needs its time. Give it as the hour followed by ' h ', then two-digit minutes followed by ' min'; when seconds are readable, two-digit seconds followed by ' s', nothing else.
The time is 10 h 12 min
